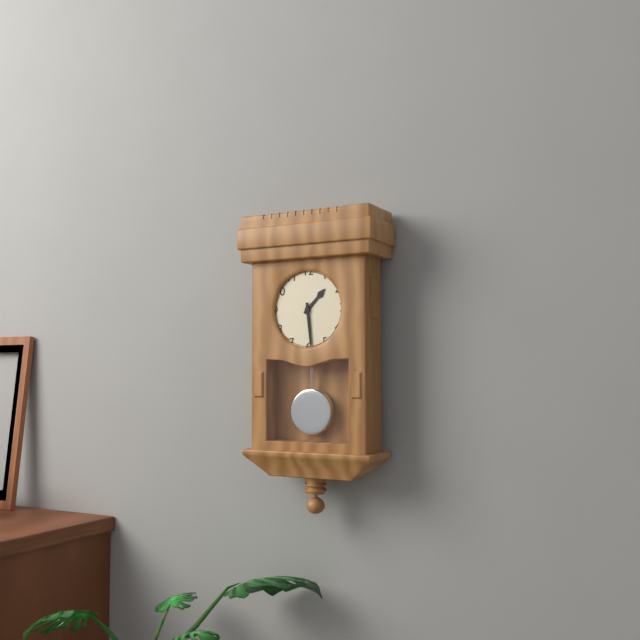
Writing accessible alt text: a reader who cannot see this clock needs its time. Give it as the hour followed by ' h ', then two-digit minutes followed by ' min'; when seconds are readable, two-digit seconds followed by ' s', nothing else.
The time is 1 h 29 min
